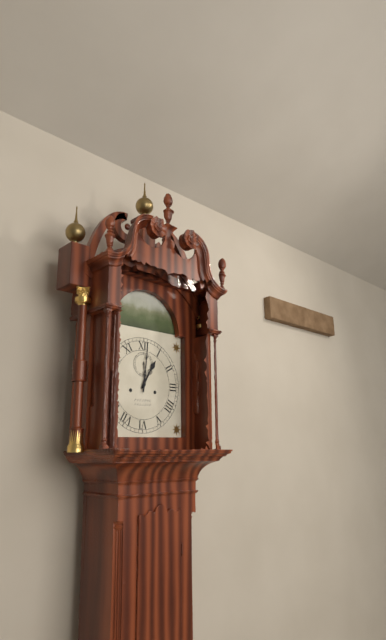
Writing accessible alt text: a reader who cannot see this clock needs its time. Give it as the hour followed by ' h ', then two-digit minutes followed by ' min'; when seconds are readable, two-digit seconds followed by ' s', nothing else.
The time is 1 h 01 min
